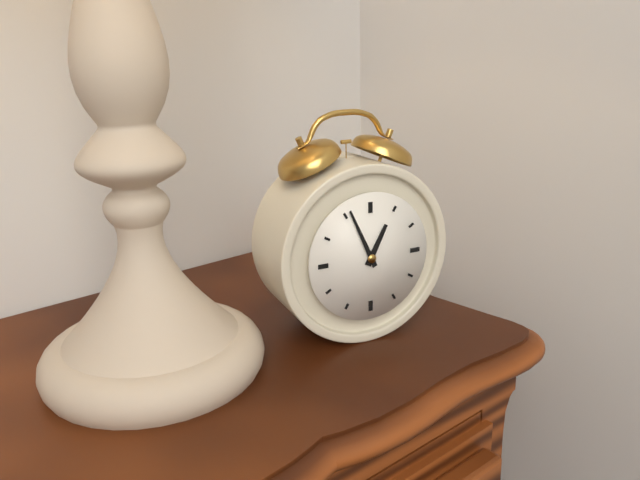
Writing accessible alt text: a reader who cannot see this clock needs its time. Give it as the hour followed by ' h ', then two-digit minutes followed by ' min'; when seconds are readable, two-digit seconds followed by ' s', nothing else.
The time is 12 h 56 min
